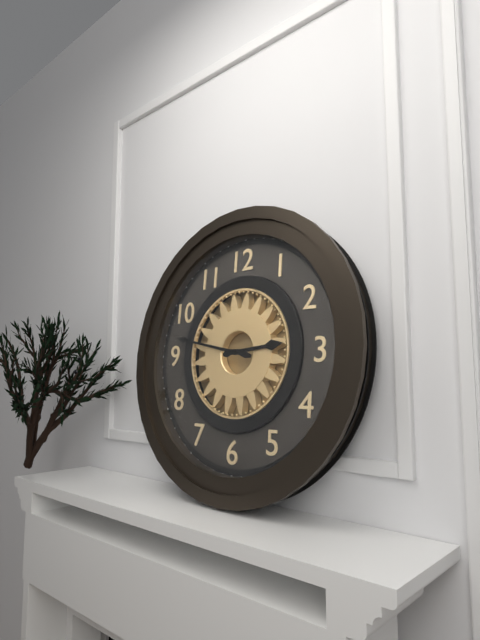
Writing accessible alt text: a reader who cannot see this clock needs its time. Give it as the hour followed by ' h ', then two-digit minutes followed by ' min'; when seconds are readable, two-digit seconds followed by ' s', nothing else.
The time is 2 h 47 min
